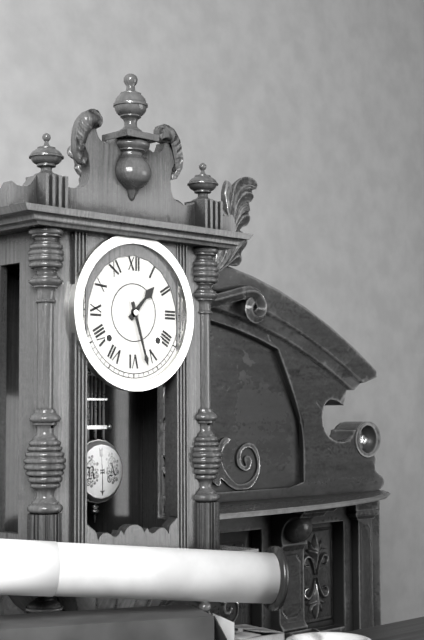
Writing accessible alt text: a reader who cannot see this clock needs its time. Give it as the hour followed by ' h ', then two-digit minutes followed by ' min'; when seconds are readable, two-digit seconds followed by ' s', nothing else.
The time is 1 h 27 min
